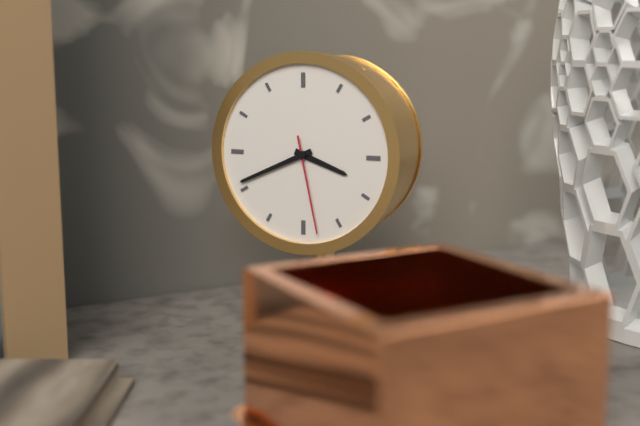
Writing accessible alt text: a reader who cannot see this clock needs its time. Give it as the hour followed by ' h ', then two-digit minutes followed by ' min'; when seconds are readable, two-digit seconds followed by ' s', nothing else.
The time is 3 h 41 min 28 s
